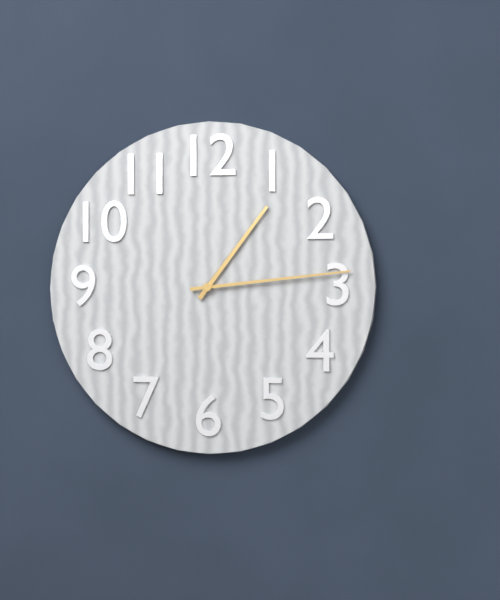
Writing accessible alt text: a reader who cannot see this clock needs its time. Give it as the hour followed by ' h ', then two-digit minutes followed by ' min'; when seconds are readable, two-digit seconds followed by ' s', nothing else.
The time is 1 h 14 min
